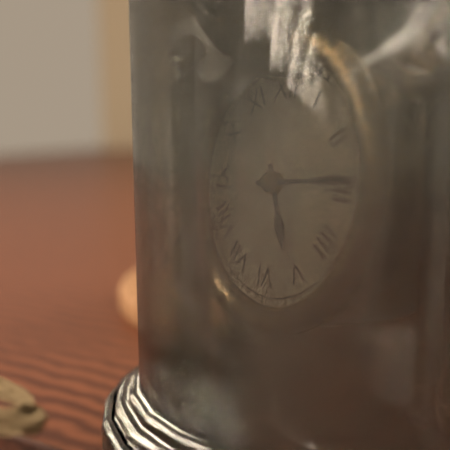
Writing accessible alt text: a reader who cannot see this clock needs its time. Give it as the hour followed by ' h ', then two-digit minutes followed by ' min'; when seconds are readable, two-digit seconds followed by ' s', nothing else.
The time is 5 h 14 min
